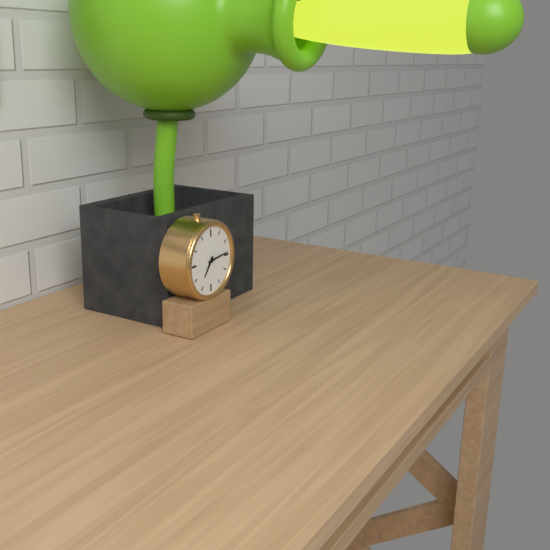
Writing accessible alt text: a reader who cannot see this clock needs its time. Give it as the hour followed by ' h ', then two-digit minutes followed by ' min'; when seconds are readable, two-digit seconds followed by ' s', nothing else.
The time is 7 h 14 min
